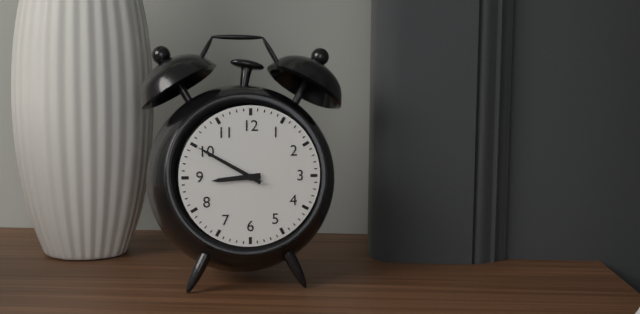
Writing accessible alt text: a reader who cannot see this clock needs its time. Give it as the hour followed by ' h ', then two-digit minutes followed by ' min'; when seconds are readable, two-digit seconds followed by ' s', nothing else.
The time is 8 h 50 min
